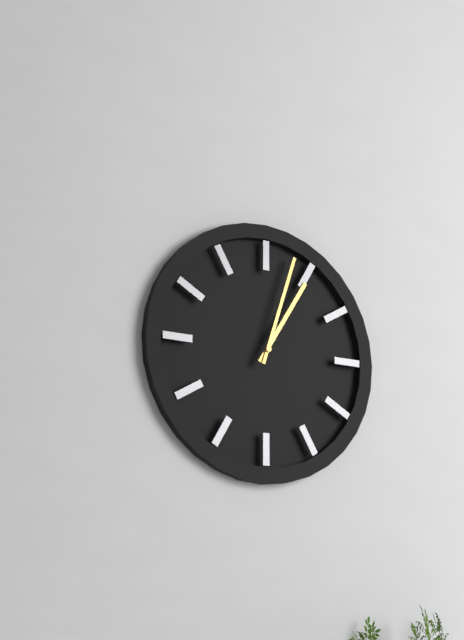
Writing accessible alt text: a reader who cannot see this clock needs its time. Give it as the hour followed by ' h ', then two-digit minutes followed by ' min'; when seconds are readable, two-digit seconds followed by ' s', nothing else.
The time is 1 h 03 min
